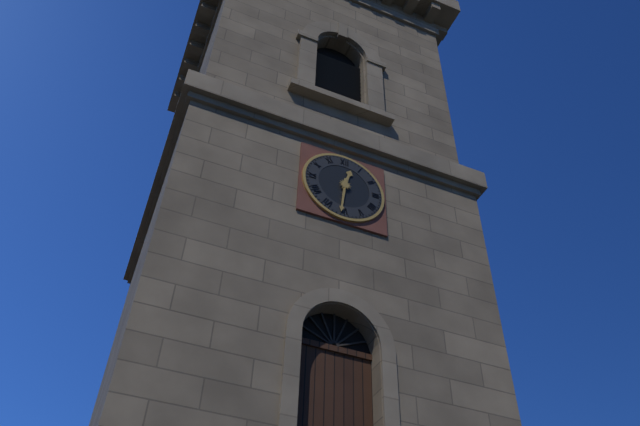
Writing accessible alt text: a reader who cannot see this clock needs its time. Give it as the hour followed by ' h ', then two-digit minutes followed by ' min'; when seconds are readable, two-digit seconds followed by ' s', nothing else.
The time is 12 h 31 min
